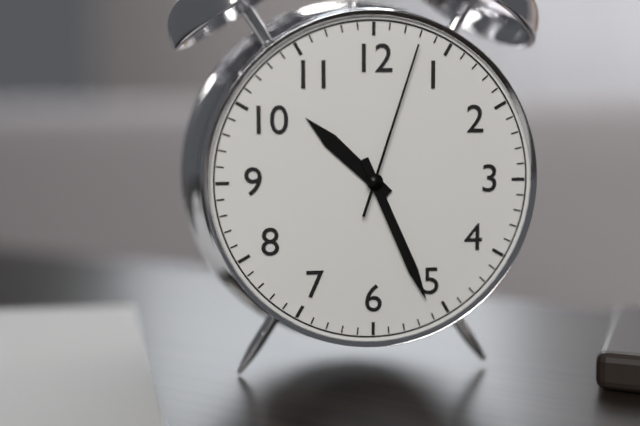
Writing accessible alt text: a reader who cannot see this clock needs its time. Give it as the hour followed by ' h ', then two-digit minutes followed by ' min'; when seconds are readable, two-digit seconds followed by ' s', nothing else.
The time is 10 h 26 min 03 s
